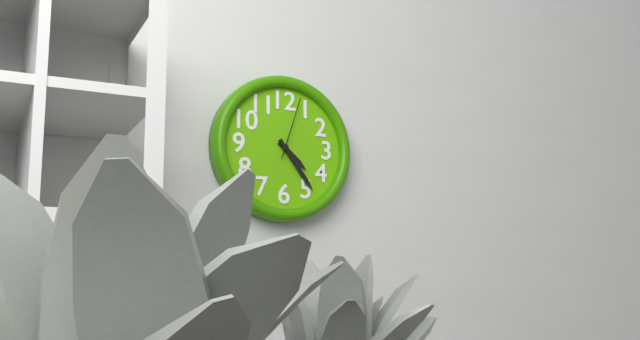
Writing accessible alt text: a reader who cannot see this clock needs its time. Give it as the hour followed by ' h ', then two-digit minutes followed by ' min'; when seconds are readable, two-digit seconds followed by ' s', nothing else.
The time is 4 h 24 min 03 s
